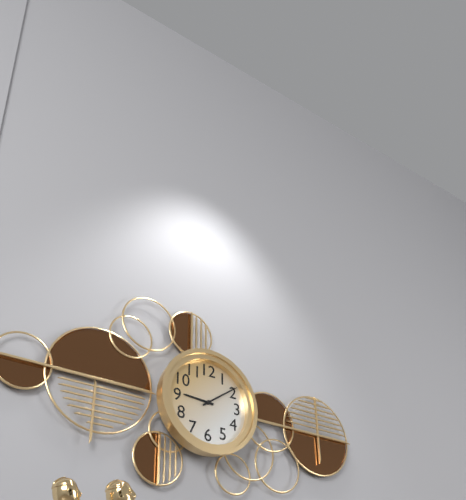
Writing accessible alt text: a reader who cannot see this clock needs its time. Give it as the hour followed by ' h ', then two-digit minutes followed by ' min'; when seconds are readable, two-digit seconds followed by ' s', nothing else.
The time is 9 h 09 min
